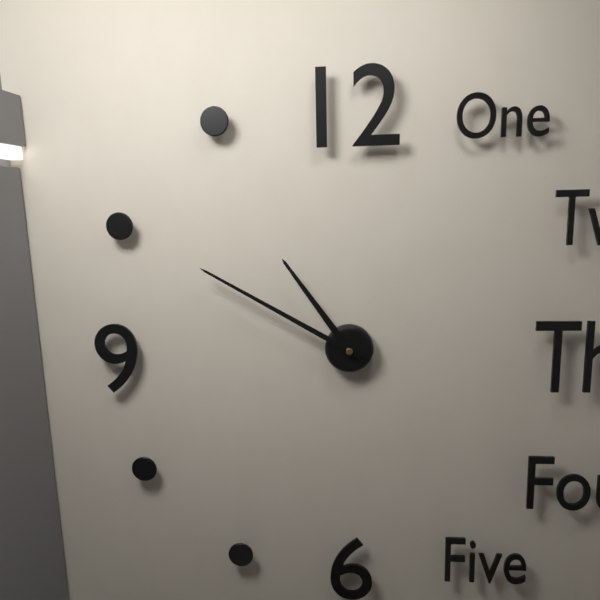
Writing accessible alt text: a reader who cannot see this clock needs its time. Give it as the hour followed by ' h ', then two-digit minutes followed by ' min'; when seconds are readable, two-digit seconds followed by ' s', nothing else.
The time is 10 h 50 min
